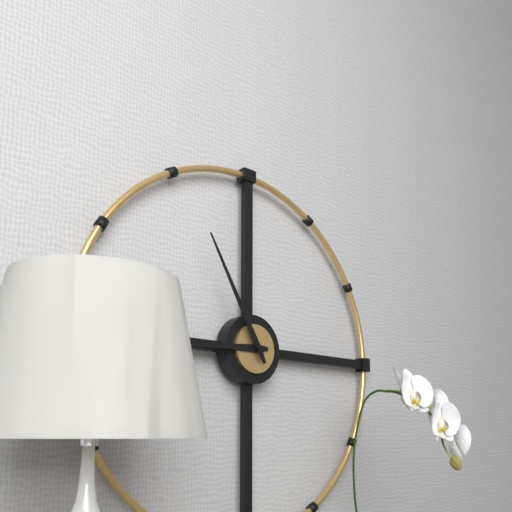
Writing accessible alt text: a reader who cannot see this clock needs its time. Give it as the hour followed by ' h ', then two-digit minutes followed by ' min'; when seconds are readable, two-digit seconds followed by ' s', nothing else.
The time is 8 h 55 min
